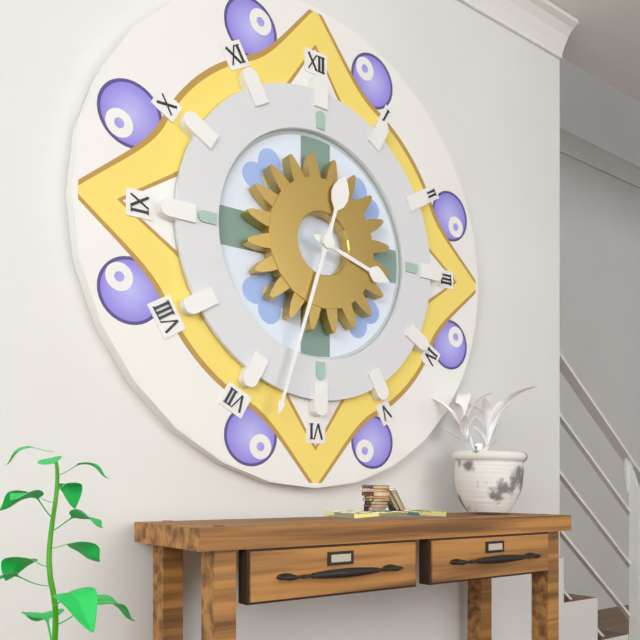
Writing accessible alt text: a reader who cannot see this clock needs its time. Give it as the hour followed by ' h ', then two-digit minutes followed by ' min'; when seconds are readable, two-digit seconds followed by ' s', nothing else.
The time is 3 h 33 min
